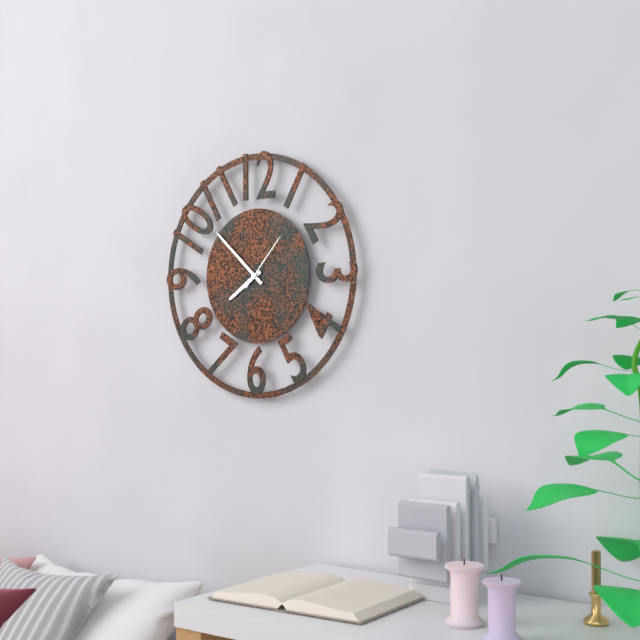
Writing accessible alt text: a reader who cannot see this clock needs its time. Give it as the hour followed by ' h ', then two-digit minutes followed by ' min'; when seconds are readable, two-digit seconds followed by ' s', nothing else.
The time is 7 h 52 min 07 s
